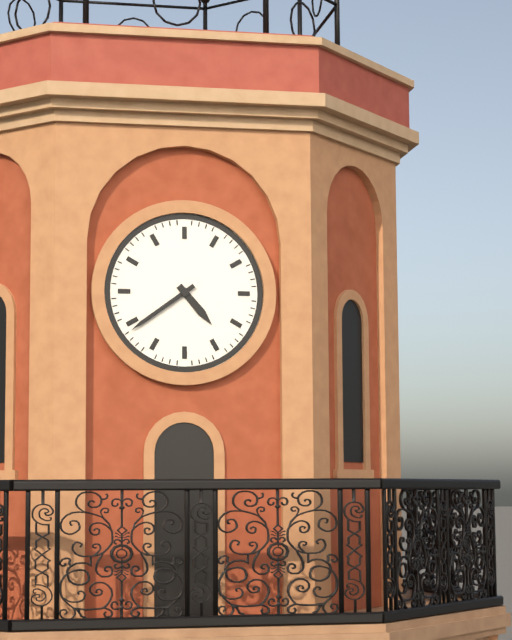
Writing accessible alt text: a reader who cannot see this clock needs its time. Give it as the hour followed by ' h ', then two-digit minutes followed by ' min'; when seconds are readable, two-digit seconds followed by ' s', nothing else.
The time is 4 h 39 min
